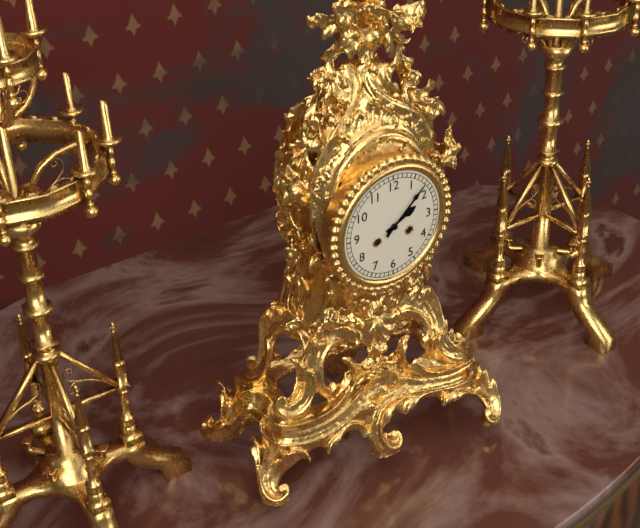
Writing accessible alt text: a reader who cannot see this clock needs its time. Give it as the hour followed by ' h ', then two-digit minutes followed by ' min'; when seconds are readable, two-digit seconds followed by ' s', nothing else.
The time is 2 h 08 min
